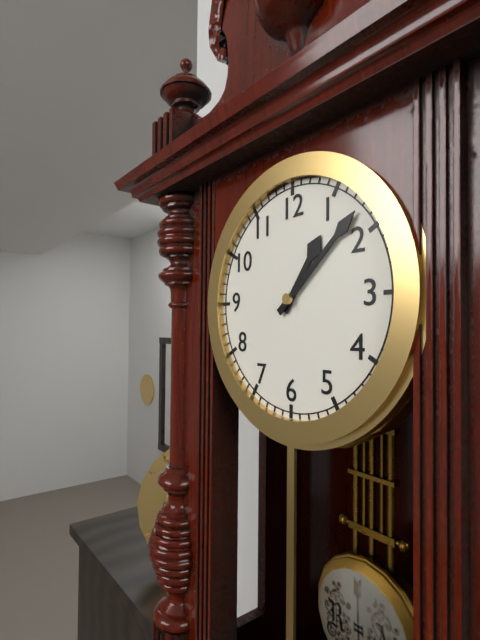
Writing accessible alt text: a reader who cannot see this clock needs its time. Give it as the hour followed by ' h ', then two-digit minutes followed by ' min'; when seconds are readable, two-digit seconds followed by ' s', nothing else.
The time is 1 h 08 min
